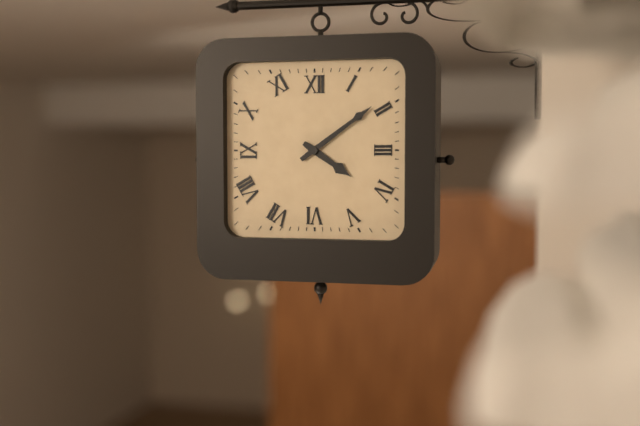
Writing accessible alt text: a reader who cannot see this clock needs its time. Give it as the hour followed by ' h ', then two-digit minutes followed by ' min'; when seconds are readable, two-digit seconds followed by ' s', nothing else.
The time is 4 h 09 min
